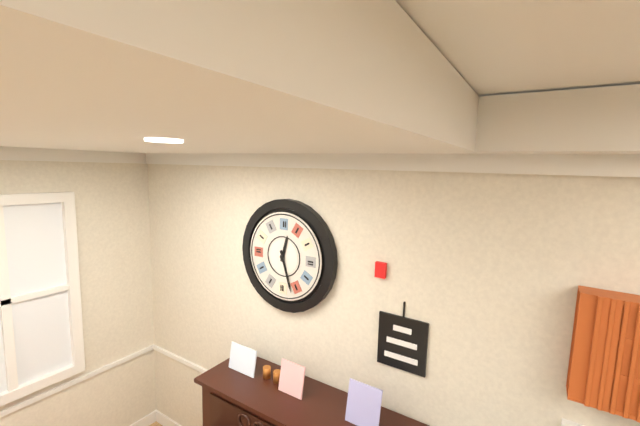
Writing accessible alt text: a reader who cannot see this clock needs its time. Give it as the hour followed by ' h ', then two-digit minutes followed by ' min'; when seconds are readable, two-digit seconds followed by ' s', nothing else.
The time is 12 h 27 min
